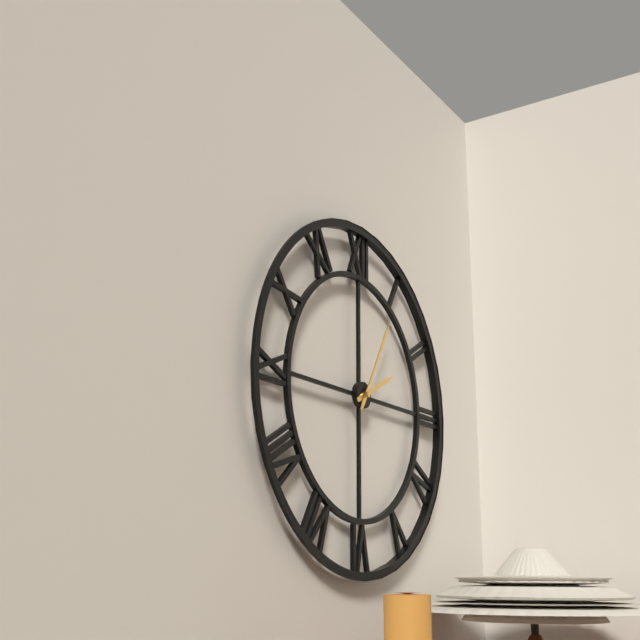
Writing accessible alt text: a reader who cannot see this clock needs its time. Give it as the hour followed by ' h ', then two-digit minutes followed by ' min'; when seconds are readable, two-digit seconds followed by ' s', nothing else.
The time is 2 h 05 min
